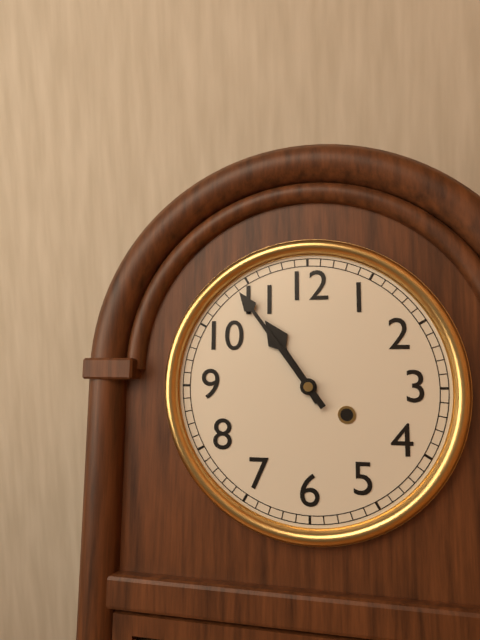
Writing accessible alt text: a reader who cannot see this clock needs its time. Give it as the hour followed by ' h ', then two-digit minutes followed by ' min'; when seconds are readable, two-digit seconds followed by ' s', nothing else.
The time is 10 h 54 min
